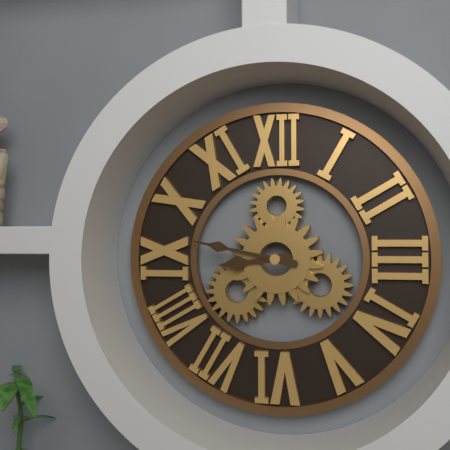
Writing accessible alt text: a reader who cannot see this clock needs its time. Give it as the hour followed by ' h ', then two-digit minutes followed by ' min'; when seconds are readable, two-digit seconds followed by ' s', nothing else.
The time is 8 h 47 min
